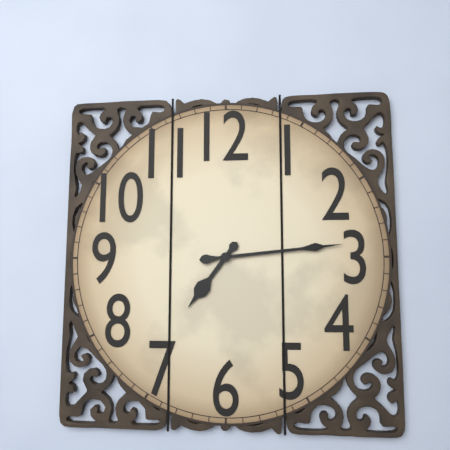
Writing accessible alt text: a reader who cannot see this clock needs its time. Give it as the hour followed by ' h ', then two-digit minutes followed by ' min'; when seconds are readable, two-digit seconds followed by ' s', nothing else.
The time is 7 h 14 min
